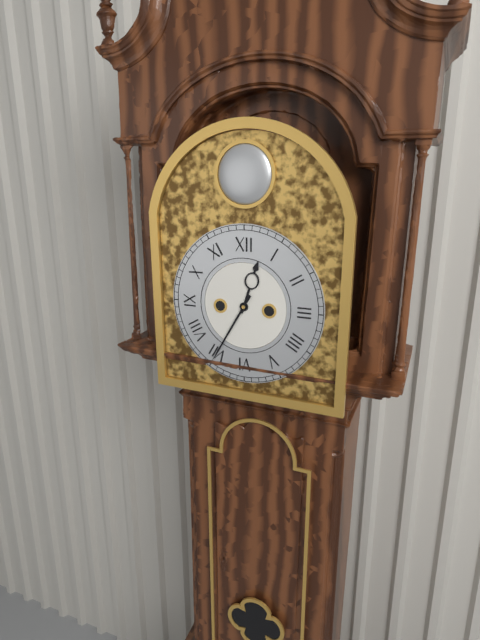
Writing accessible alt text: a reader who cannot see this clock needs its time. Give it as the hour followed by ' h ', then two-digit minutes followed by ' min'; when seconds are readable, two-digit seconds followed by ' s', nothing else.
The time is 12 h 35 min
